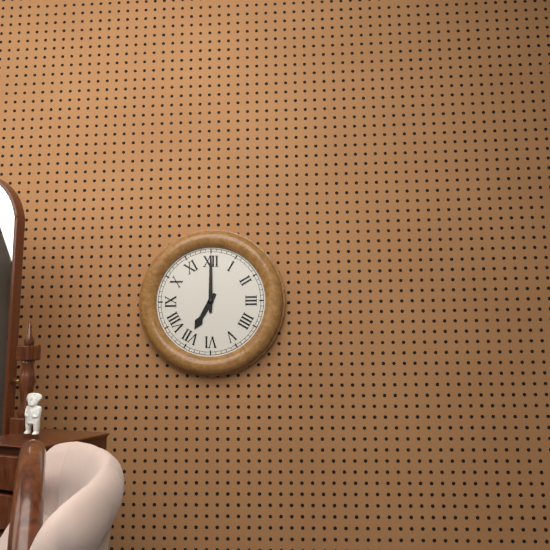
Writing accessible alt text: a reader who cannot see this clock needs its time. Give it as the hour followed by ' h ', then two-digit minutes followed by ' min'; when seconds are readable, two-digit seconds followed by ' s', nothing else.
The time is 7 h 00 min
